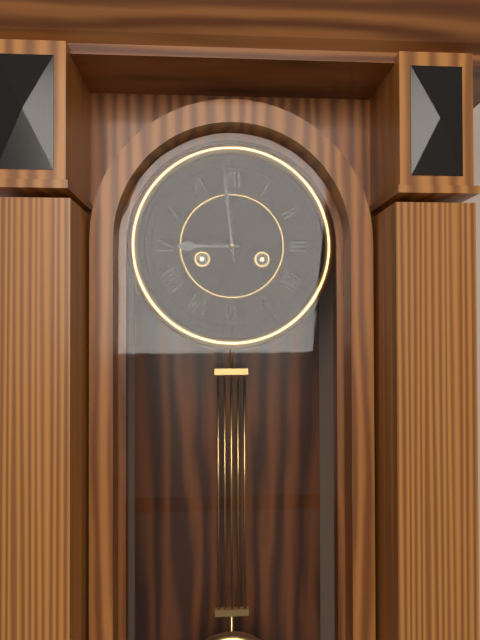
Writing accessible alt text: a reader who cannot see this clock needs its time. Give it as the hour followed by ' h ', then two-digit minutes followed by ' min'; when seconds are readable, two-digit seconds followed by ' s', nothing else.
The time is 8 h 59 min
